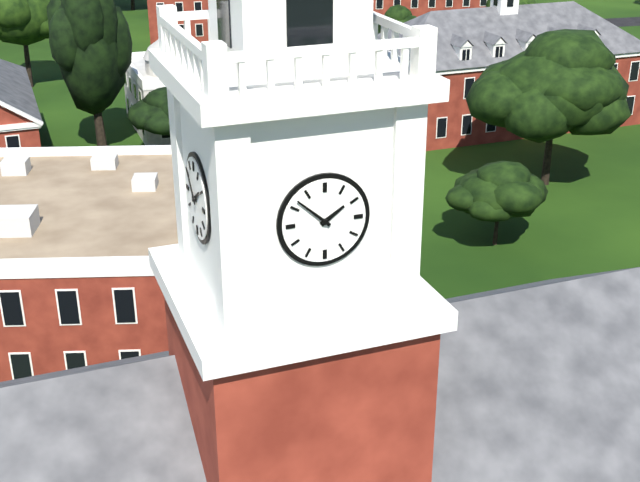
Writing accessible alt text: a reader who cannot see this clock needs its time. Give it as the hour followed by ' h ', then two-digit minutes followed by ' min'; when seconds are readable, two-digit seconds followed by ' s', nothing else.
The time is 1 h 52 min
